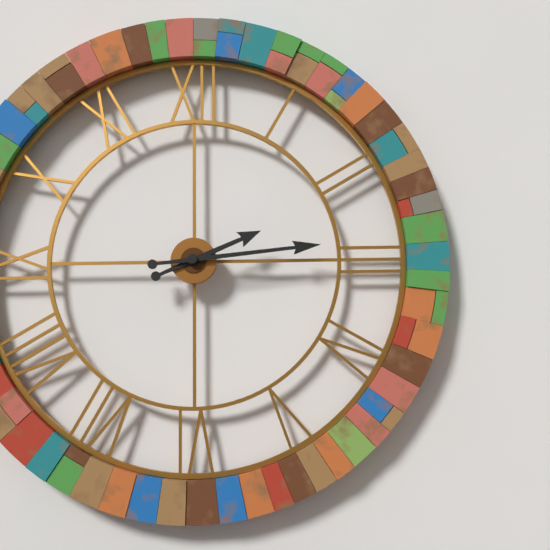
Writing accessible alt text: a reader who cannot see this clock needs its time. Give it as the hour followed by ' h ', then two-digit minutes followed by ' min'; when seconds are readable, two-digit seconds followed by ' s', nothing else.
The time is 2 h 14 min
